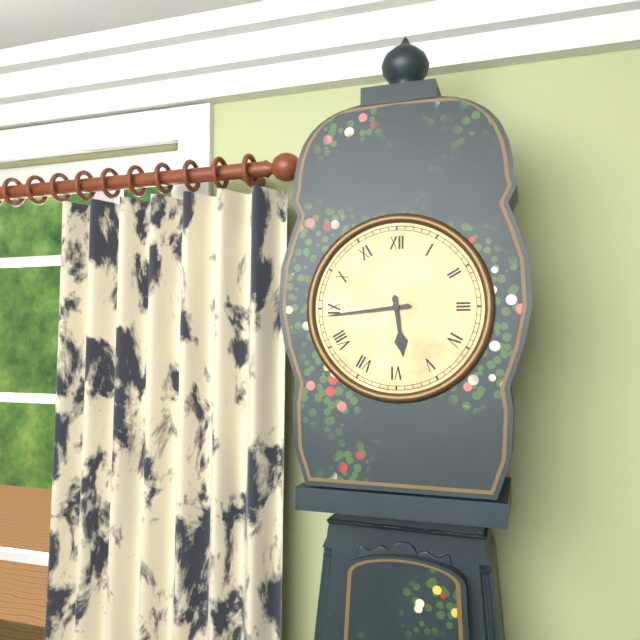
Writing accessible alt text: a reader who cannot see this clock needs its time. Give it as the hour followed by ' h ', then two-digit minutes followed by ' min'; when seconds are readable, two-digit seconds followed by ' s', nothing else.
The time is 5 h 44 min
